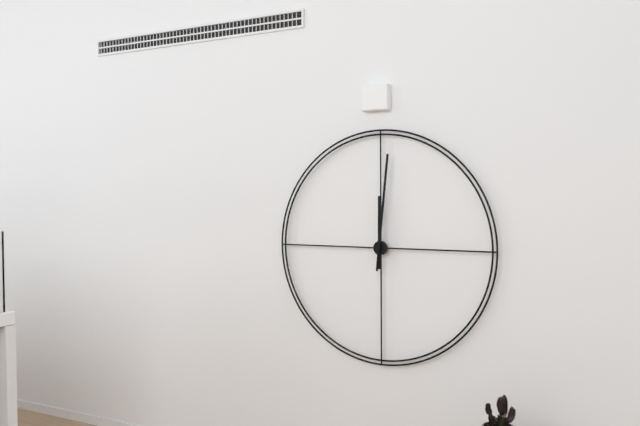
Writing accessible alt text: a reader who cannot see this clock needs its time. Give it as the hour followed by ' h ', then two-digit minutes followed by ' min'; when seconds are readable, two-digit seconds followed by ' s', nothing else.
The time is 12 h 01 min
